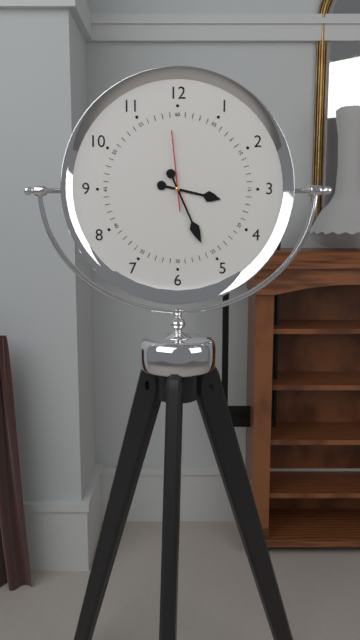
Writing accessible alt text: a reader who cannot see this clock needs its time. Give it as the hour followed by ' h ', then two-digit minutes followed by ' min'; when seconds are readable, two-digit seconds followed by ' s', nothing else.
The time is 3 h 26 min 59 s
